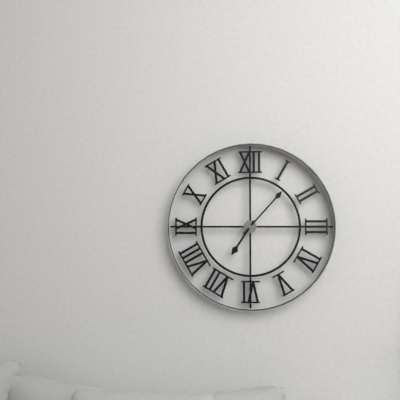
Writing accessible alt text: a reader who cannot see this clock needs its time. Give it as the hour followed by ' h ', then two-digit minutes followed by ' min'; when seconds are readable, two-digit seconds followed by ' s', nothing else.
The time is 7 h 07 min
